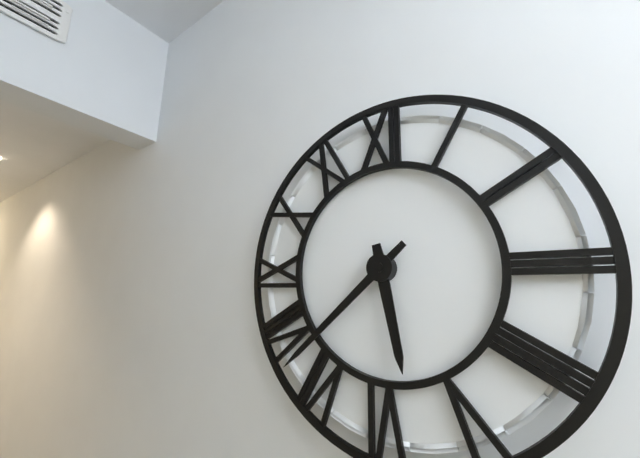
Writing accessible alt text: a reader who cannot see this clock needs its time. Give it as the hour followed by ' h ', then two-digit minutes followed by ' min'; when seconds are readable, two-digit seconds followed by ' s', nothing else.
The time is 5 h 38 min
